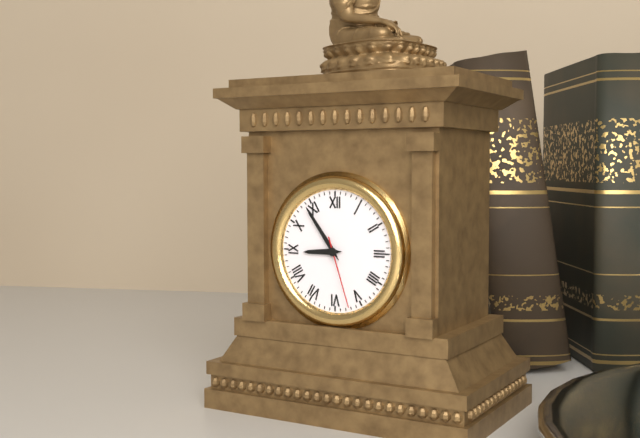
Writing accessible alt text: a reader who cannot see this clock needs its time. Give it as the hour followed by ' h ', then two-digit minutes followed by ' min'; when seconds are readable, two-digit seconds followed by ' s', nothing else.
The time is 8 h 54 min 27 s
